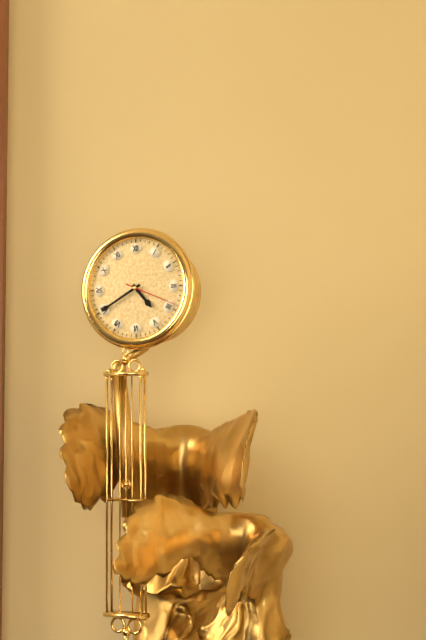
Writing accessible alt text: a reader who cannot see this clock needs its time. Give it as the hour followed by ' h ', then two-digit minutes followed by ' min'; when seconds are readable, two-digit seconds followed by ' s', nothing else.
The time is 4 h 40 min 19 s
